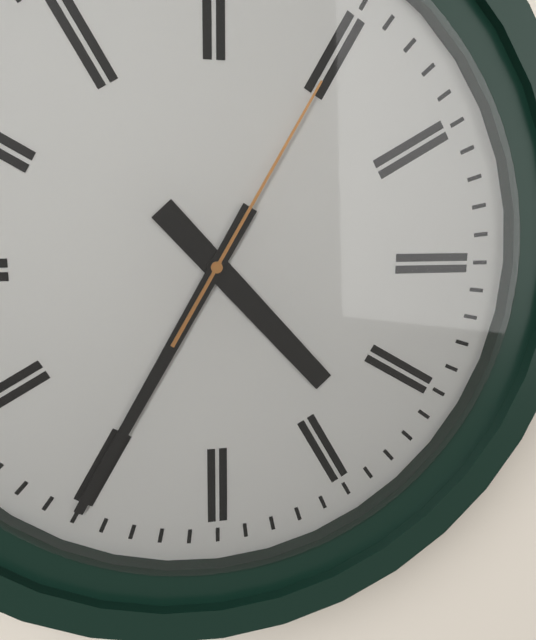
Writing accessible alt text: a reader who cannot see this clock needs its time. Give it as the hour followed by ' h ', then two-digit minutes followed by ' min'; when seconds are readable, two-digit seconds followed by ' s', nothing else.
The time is 4 h 35 min 05 s
